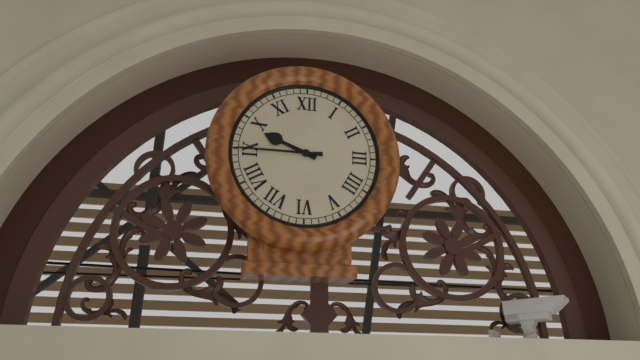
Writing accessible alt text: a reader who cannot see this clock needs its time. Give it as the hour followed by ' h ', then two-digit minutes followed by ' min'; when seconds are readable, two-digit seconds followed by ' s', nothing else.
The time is 9 h 45 min
